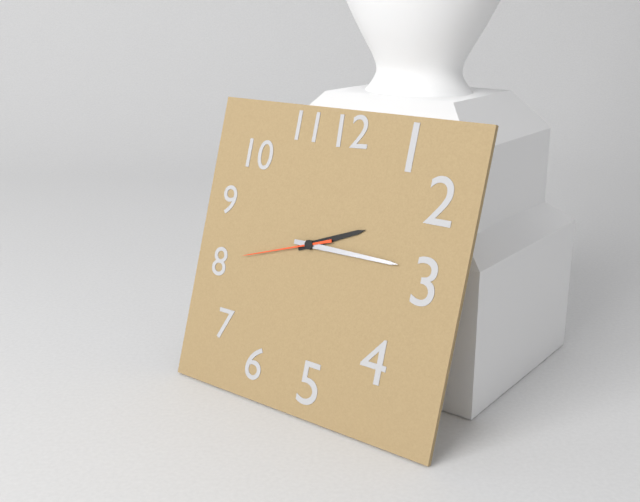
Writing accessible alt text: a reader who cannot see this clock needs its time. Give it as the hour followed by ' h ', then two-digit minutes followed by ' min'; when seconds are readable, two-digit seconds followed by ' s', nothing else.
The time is 2 h 15 min 42 s
